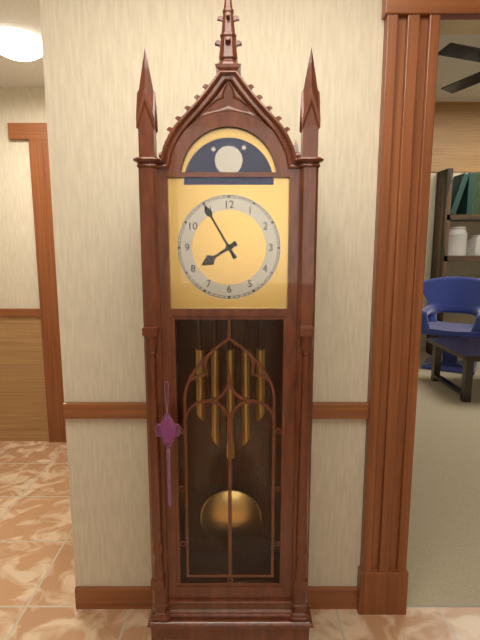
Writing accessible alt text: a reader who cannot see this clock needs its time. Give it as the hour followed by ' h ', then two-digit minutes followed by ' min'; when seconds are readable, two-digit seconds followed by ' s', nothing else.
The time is 7 h 55 min
